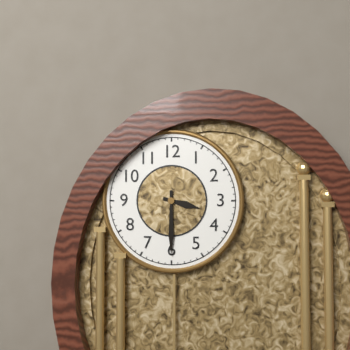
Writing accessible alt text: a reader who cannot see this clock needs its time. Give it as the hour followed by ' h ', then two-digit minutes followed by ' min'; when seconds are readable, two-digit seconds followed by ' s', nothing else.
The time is 3 h 30 min
